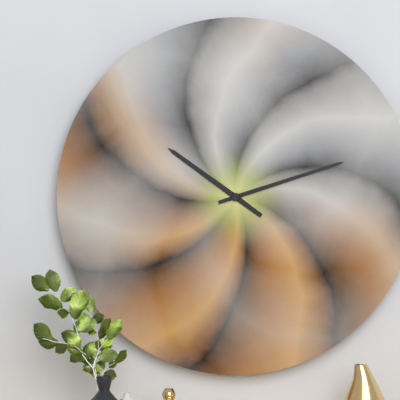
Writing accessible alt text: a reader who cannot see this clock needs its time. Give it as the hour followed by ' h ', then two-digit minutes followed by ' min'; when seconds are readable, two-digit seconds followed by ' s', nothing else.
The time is 10 h 12 min
